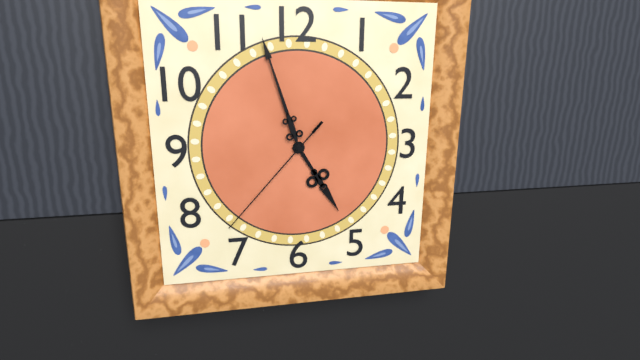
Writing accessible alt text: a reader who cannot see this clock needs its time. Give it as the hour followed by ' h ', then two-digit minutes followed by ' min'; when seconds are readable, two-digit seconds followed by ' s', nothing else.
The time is 4 h 57 min 37 s
